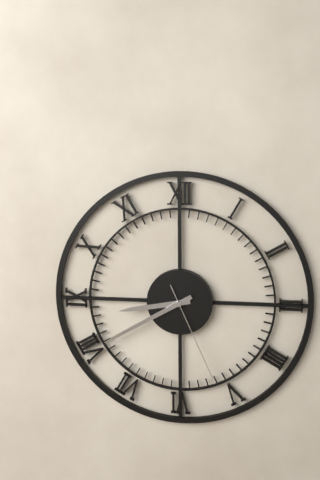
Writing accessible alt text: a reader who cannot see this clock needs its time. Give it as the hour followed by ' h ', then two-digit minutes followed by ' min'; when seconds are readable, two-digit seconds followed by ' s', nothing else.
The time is 8 h 40 min 26 s
